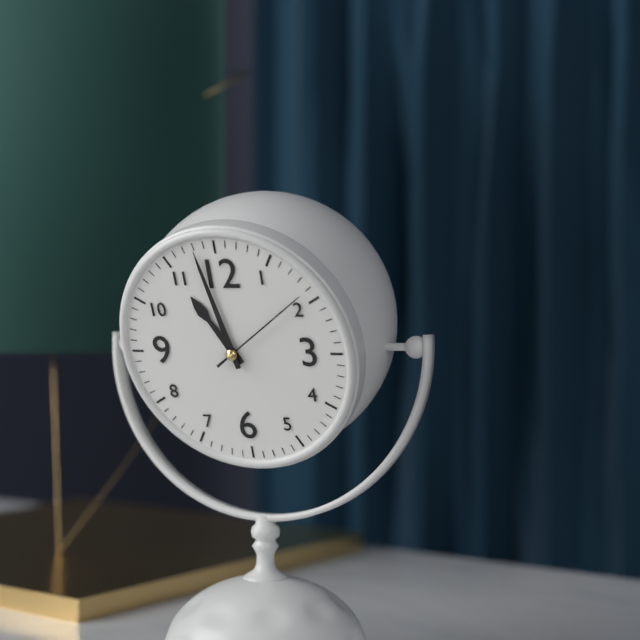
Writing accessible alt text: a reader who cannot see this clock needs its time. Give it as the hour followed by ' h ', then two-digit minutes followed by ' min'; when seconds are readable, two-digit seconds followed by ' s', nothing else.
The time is 10 h 58 min 09 s
